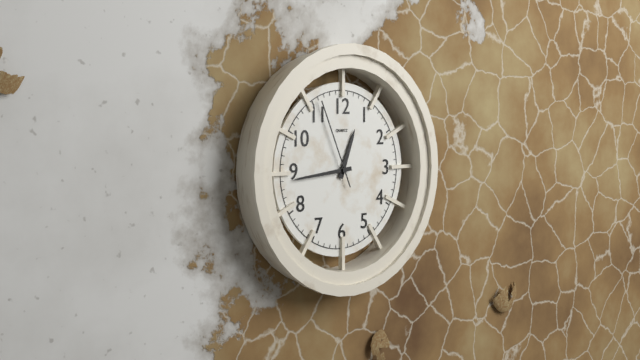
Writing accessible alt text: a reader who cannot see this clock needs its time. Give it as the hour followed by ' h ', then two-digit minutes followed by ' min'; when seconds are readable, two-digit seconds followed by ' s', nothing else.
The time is 12 h 44 min 56 s
